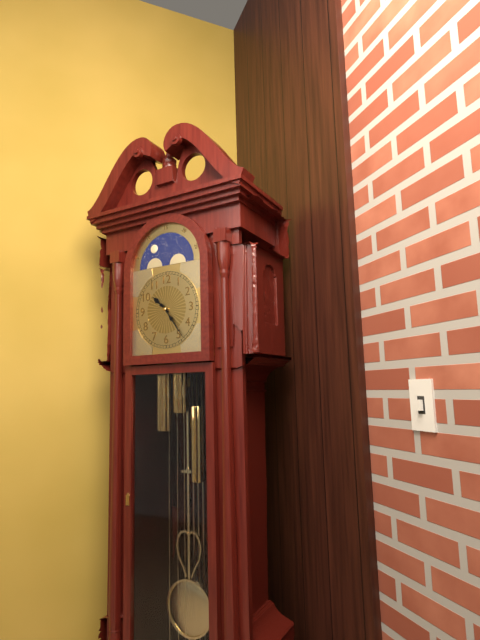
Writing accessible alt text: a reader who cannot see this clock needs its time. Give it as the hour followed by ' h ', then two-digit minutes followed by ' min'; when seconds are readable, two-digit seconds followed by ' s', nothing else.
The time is 10 h 24 min
